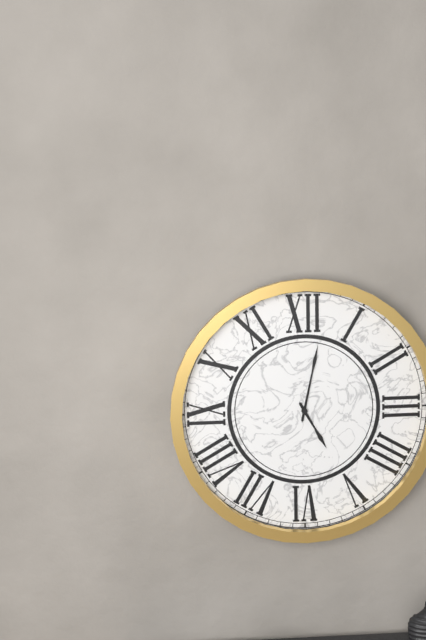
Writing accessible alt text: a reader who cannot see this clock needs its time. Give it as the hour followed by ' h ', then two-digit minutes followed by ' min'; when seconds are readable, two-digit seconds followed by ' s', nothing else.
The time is 5 h 02 min
